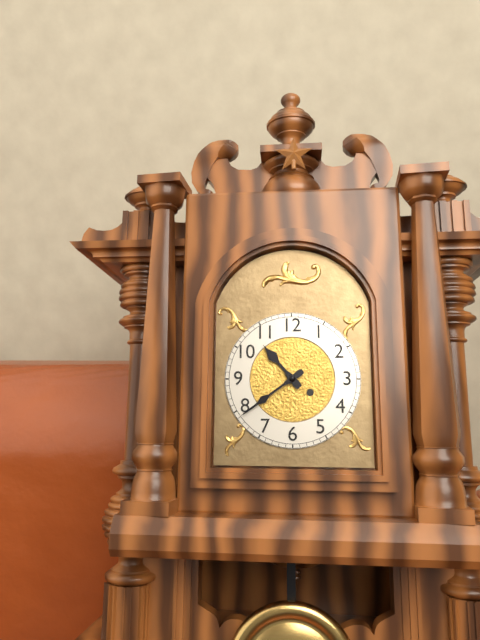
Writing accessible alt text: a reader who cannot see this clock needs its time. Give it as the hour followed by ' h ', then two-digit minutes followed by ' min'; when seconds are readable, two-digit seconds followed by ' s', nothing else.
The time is 10 h 39 min
